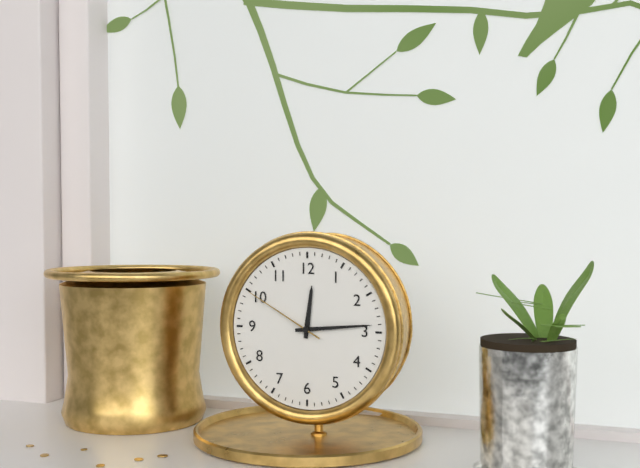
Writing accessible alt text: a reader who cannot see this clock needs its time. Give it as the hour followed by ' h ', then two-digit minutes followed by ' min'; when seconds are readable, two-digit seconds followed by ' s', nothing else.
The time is 12 h 14 min 50 s
